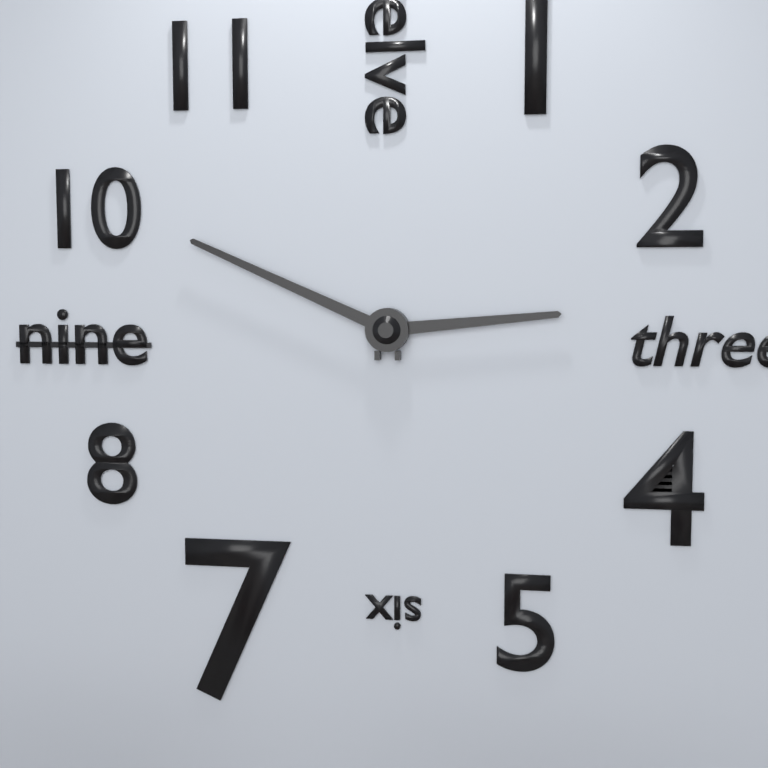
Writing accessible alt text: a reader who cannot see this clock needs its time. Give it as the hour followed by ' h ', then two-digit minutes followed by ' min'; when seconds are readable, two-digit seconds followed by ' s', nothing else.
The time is 2 h 49 min
